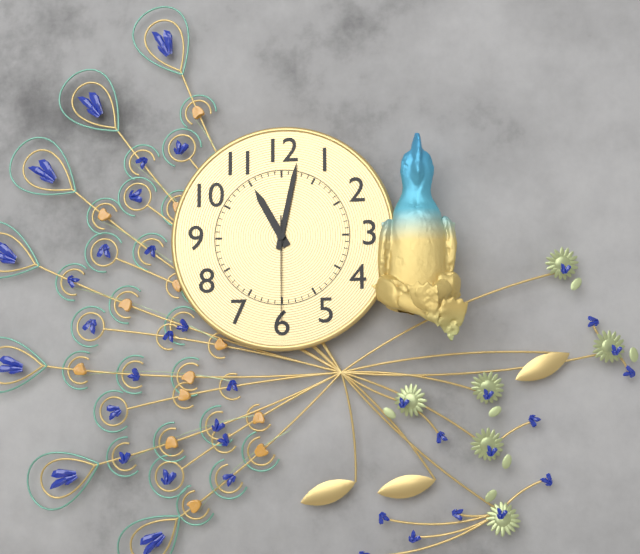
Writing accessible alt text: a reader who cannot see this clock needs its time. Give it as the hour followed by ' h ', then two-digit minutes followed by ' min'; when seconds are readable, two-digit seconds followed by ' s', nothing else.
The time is 11 h 02 min 30 s
